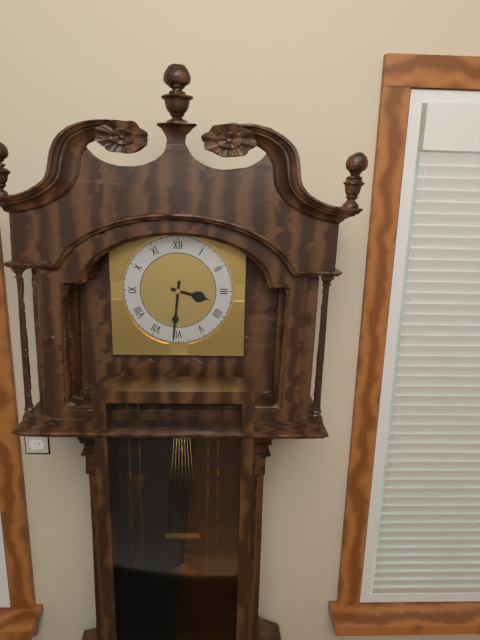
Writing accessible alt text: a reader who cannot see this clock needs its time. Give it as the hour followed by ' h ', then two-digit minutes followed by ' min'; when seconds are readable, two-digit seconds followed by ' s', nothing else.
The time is 3 h 31 min
